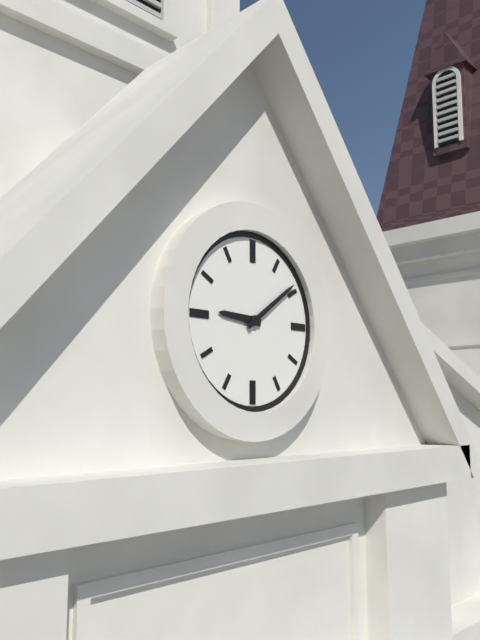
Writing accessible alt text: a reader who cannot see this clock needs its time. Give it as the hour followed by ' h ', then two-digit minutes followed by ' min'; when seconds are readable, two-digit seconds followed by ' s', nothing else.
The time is 9 h 09 min
